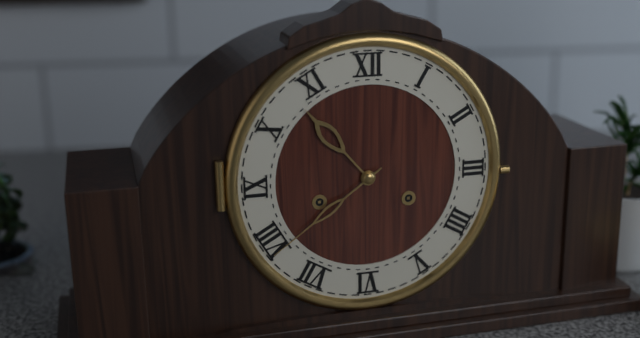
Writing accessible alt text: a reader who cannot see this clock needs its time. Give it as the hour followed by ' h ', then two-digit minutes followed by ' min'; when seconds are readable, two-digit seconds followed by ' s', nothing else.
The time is 10 h 39 min
